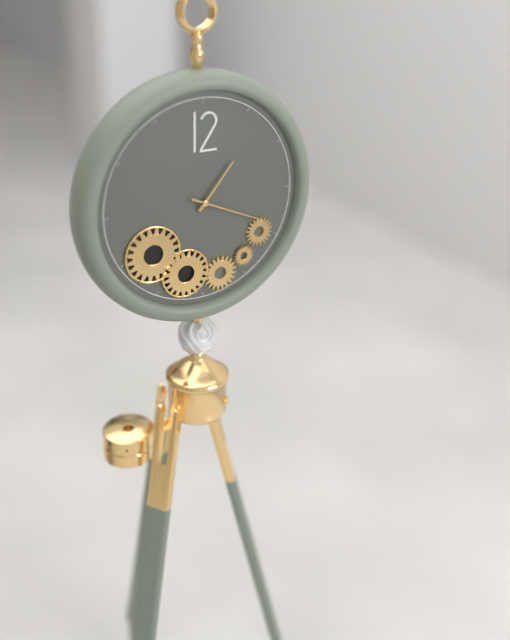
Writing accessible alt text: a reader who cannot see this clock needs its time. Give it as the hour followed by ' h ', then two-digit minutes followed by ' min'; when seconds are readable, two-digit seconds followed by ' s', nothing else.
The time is 1 h 19 min
